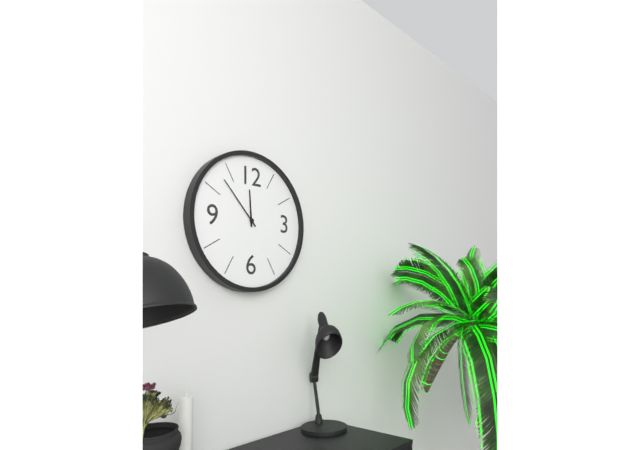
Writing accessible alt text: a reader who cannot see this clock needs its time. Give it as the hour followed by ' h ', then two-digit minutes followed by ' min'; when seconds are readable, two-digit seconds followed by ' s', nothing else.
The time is 11 h 53 min
